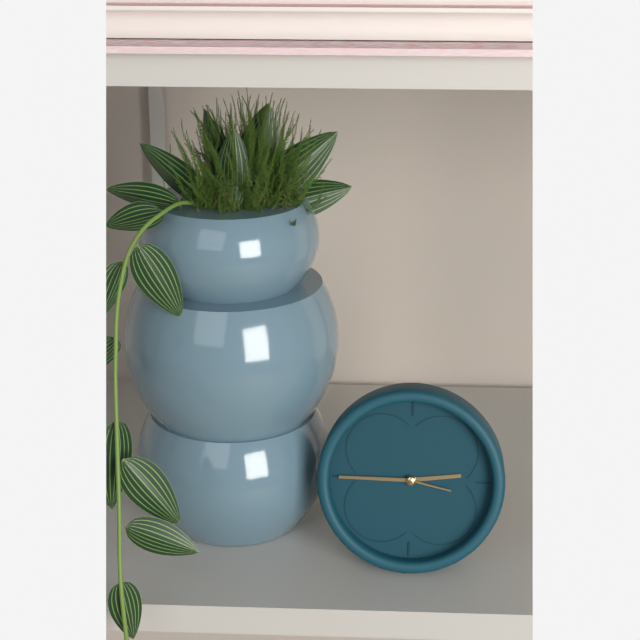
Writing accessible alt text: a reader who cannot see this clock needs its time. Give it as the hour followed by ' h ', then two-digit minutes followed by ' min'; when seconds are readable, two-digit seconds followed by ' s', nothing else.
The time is 2 h 45 min 17 s
